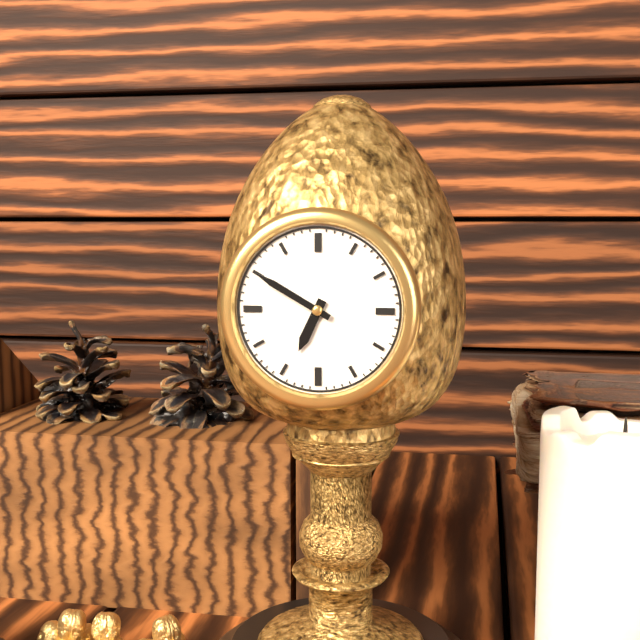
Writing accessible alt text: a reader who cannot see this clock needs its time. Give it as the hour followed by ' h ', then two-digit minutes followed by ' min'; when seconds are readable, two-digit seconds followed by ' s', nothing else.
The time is 6 h 50 min
